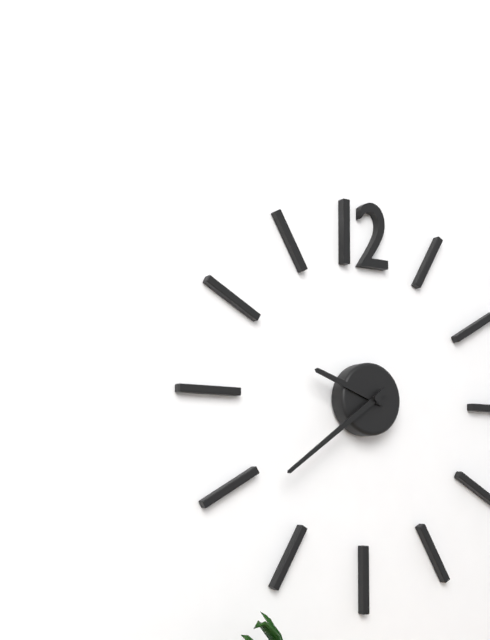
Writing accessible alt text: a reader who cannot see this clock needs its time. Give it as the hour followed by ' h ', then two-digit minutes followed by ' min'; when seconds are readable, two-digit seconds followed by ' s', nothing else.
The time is 9 h 39 min
